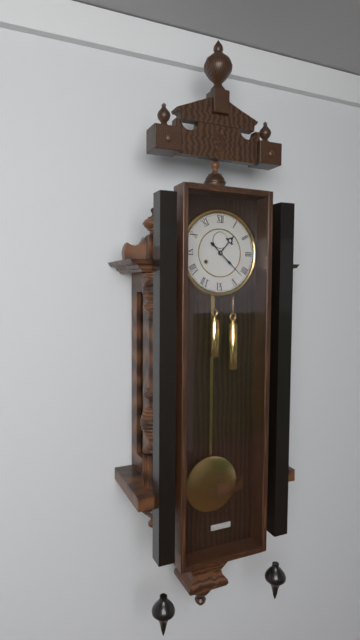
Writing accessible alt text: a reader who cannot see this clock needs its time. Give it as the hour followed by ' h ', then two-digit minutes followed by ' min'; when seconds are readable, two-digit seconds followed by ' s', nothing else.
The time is 1 h 22 min
